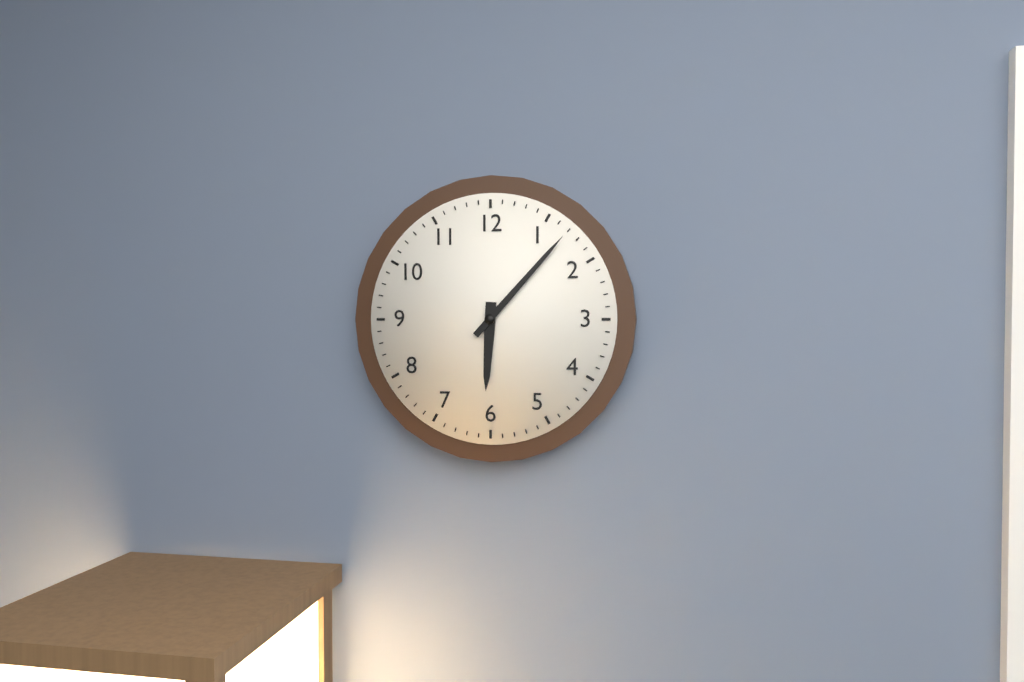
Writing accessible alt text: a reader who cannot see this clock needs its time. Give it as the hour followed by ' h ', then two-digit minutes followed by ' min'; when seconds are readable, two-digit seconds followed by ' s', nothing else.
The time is 6 h 07 min
